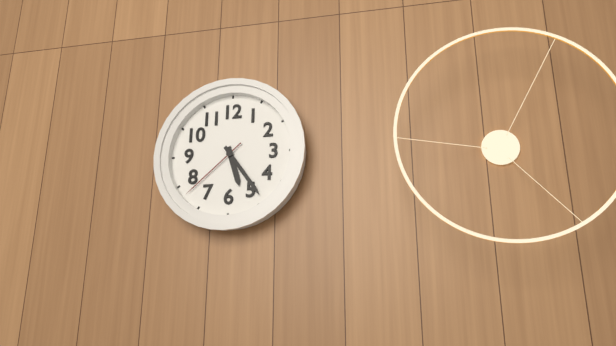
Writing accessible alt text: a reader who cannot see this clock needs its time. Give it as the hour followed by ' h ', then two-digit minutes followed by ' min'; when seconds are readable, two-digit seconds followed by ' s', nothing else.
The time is 5 h 24 min 38 s
